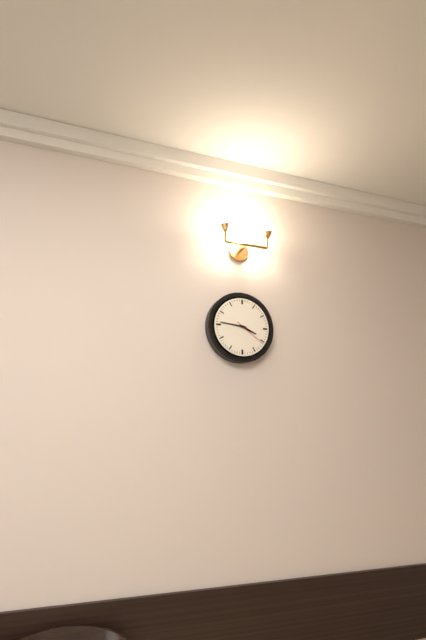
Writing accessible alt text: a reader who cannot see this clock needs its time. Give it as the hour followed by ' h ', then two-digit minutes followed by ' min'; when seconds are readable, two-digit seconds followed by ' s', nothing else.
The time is 3 h 46 min
